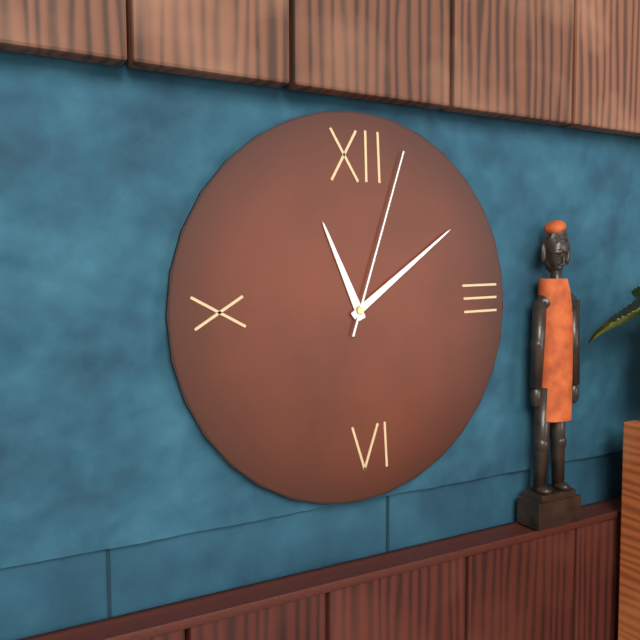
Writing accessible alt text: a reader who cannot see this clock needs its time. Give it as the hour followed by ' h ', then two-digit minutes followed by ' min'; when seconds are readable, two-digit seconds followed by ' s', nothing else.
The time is 11 h 09 min 03 s
